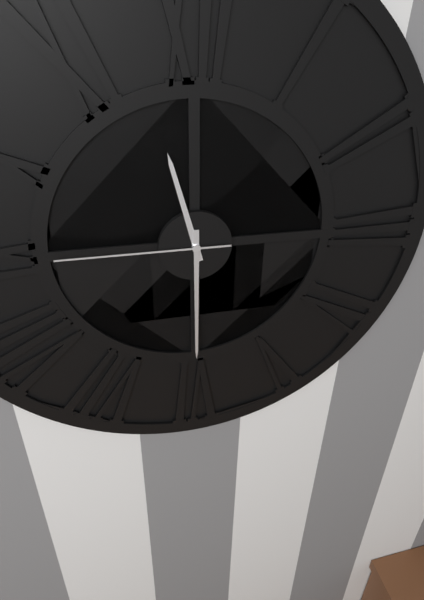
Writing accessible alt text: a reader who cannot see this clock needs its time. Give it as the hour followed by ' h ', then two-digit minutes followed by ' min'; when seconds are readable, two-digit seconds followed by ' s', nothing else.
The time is 11 h 30 min 45 s
